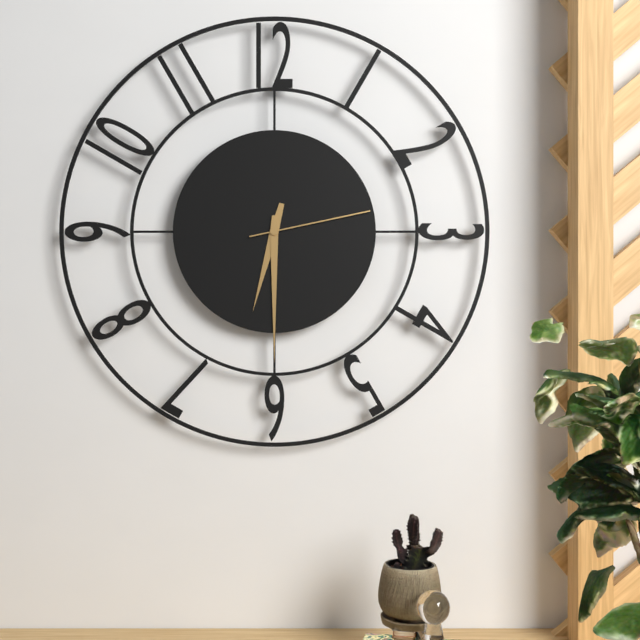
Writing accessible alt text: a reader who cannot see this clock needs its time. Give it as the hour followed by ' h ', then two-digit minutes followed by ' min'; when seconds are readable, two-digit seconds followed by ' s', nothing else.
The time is 6 h 30 min 13 s
